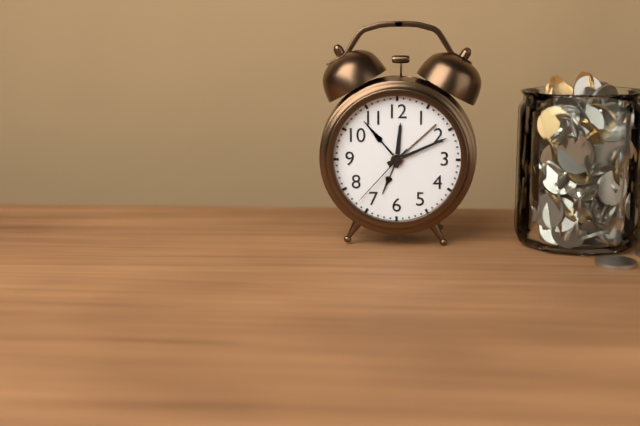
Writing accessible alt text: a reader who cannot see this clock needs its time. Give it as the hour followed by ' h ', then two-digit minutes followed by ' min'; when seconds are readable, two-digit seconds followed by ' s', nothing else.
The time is 12 h 11 min 37 s
